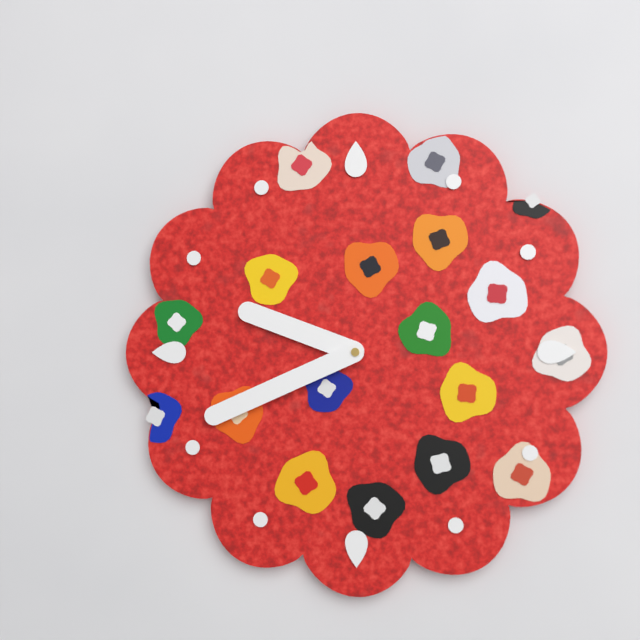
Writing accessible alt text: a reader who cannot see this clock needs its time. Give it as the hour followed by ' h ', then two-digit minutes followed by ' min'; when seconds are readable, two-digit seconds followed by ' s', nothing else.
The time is 9 h 41 min
